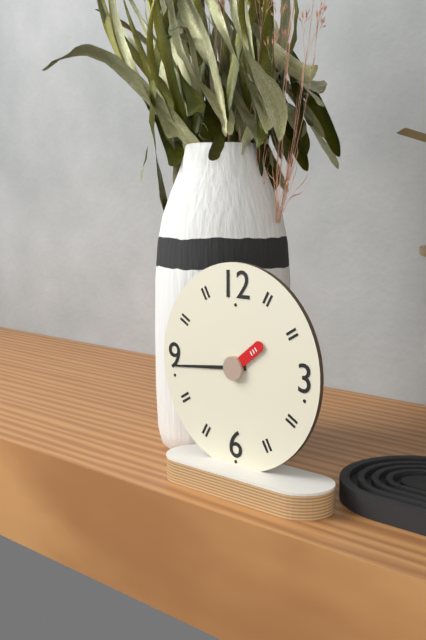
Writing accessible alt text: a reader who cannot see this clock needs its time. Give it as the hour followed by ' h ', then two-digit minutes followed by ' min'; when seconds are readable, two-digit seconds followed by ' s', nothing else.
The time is 1 h 44 min
